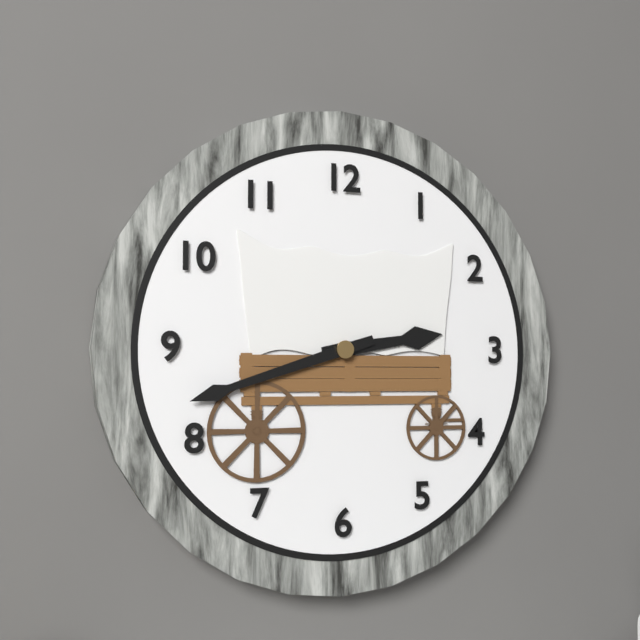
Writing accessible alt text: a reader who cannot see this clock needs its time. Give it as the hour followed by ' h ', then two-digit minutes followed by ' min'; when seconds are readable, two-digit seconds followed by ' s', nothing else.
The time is 2 h 42 min
